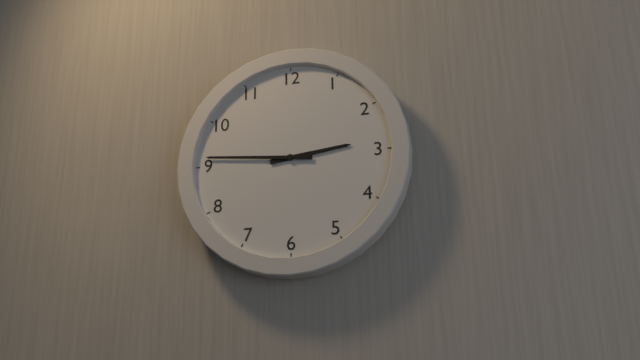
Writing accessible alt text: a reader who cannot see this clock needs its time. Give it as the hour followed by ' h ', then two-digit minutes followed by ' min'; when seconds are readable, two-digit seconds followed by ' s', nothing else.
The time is 2 h 46 min
